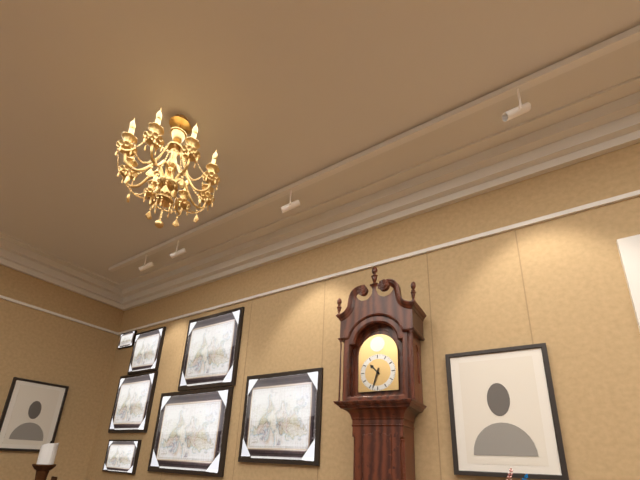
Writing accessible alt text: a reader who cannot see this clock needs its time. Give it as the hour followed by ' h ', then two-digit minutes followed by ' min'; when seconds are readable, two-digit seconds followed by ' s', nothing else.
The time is 10 h 33 min
